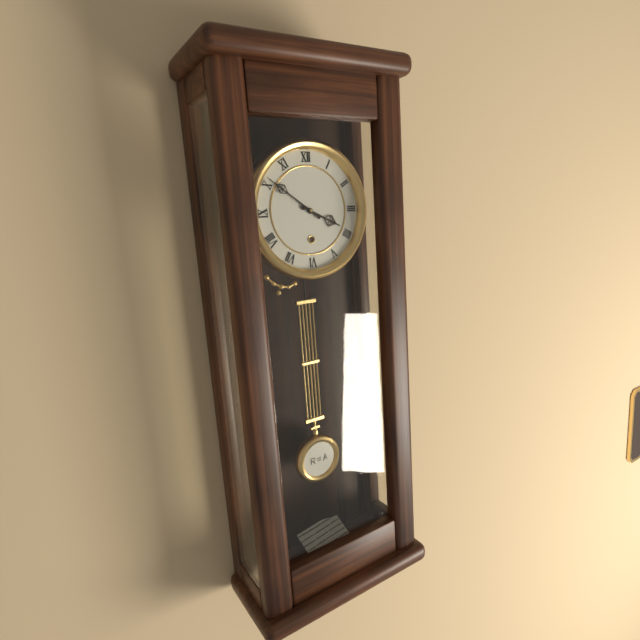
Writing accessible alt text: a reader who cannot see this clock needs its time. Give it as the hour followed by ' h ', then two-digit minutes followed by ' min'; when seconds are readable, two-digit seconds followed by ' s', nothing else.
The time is 3 h 51 min
